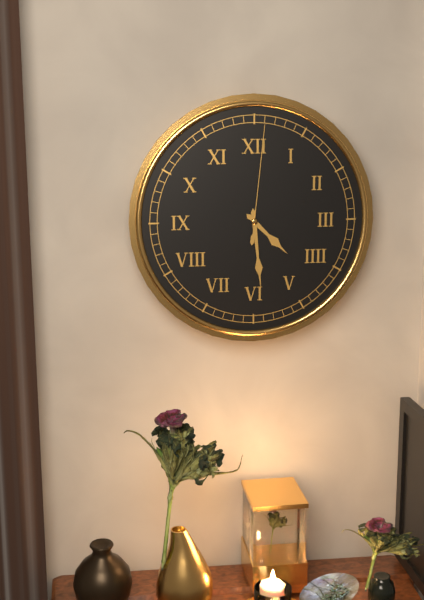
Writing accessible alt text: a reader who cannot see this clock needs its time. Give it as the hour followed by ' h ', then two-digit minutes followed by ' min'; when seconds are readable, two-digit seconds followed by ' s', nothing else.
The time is 4 h 29 min 01 s
